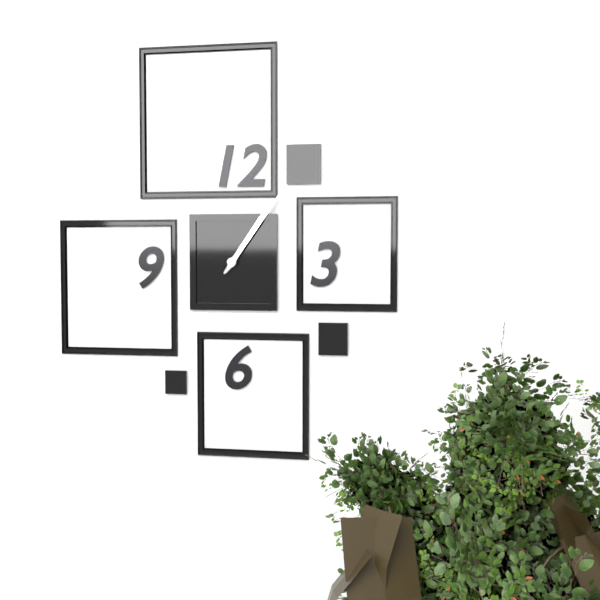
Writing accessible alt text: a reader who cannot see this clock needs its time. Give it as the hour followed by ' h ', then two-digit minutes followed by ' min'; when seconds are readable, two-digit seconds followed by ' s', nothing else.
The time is 1 h 06 min
